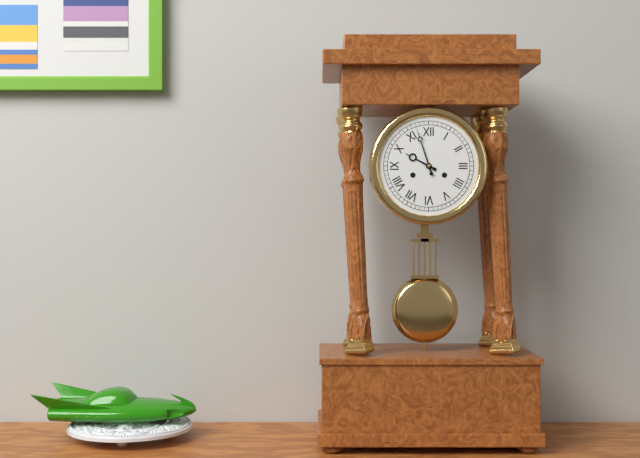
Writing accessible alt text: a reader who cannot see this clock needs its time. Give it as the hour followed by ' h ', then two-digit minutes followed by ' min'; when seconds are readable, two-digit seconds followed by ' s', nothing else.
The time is 9 h 57 min
